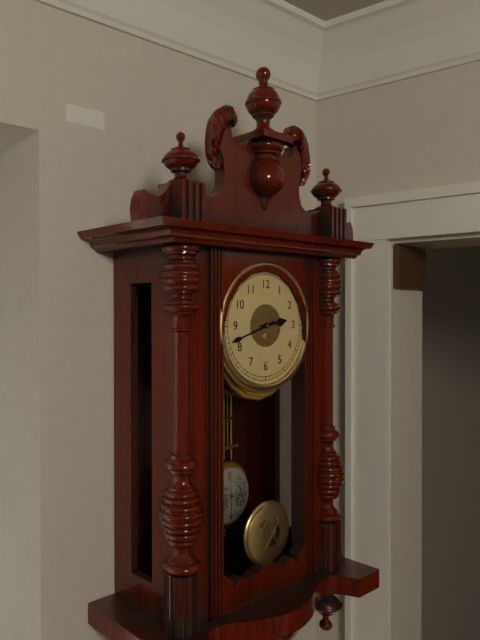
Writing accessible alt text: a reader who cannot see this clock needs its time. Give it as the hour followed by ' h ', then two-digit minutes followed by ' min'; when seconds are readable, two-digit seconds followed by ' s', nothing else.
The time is 2 h 42 min
